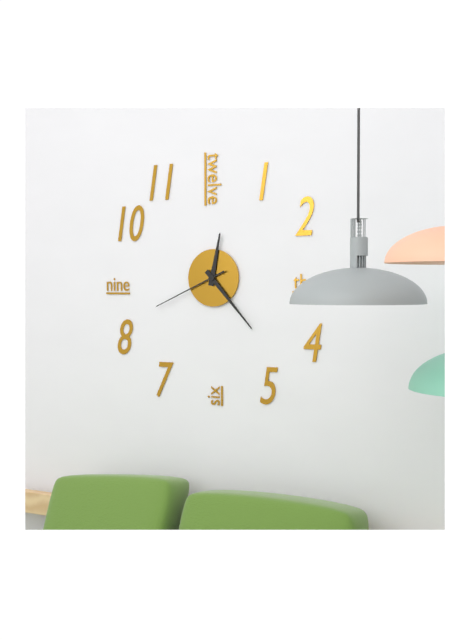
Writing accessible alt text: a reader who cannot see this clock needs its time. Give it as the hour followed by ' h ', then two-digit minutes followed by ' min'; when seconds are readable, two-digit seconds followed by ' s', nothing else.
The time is 12 h 23 min 41 s
